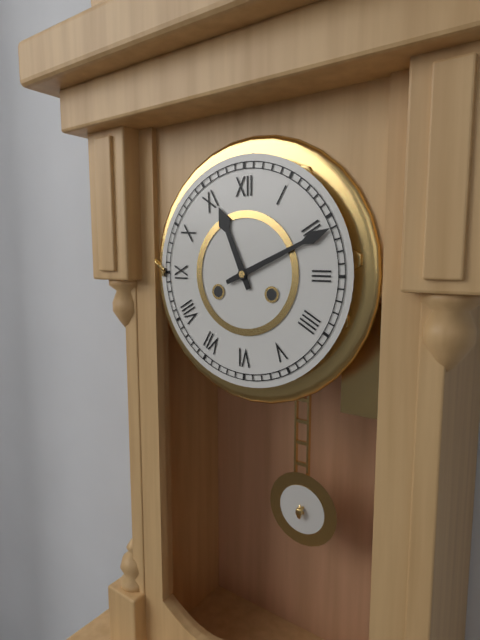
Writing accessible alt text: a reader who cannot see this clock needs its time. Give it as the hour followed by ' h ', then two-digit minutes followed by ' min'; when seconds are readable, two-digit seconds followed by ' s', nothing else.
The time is 11 h 11 min
